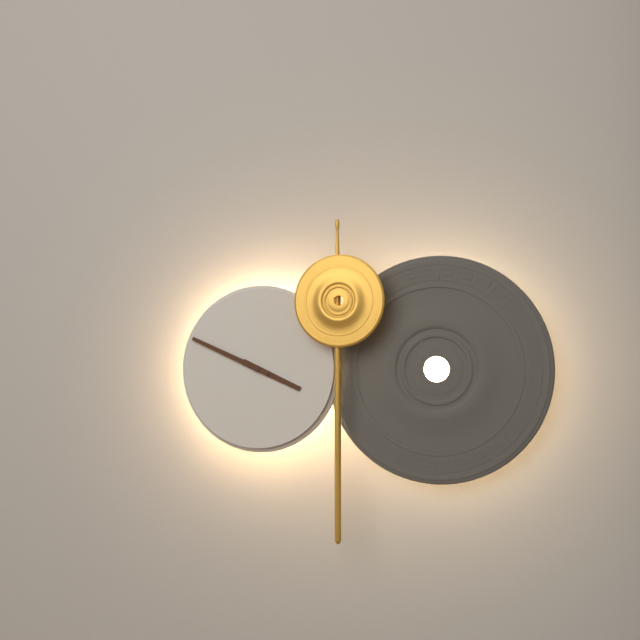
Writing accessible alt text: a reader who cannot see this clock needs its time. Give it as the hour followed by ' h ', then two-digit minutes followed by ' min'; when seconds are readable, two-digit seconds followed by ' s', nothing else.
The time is 3 h 49 min
